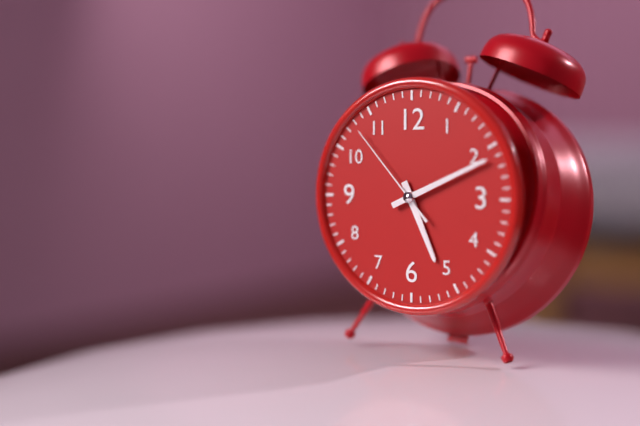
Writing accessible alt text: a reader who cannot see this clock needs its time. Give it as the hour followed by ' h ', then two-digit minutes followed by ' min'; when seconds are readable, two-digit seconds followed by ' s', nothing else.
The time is 5 h 11 min 53 s
